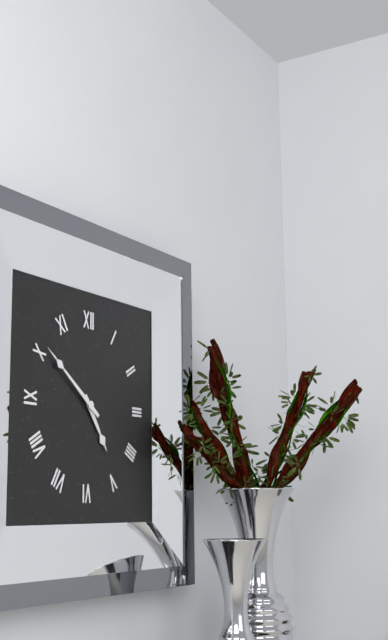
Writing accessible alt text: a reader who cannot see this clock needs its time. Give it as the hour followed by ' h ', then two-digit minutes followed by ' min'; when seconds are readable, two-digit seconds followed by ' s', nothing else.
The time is 4 h 51 min
